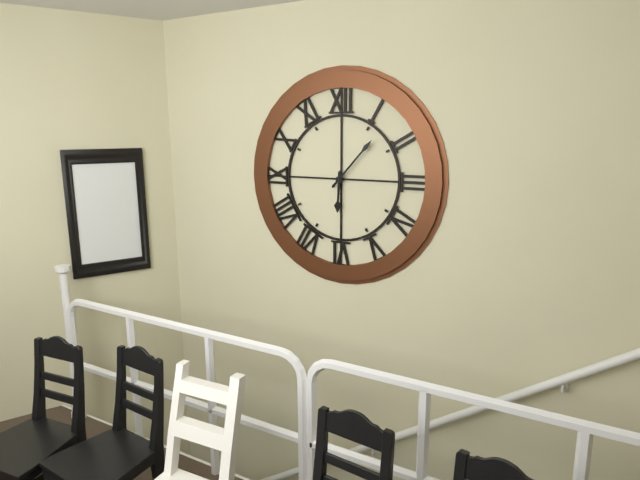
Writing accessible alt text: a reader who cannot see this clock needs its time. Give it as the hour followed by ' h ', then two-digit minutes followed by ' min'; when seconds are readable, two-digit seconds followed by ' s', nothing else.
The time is 6 h 07 min
